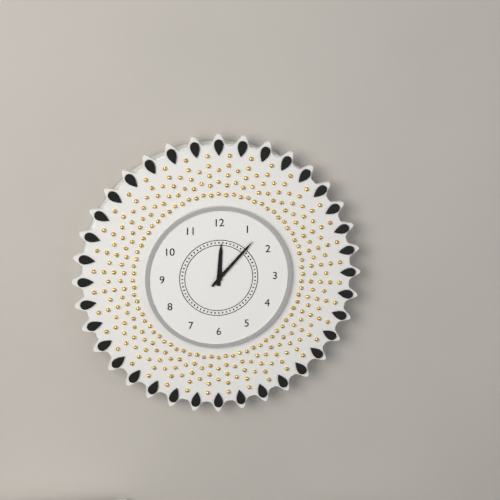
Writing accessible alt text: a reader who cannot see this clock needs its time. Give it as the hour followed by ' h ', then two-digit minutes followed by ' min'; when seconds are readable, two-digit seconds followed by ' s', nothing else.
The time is 12 h 07 min
